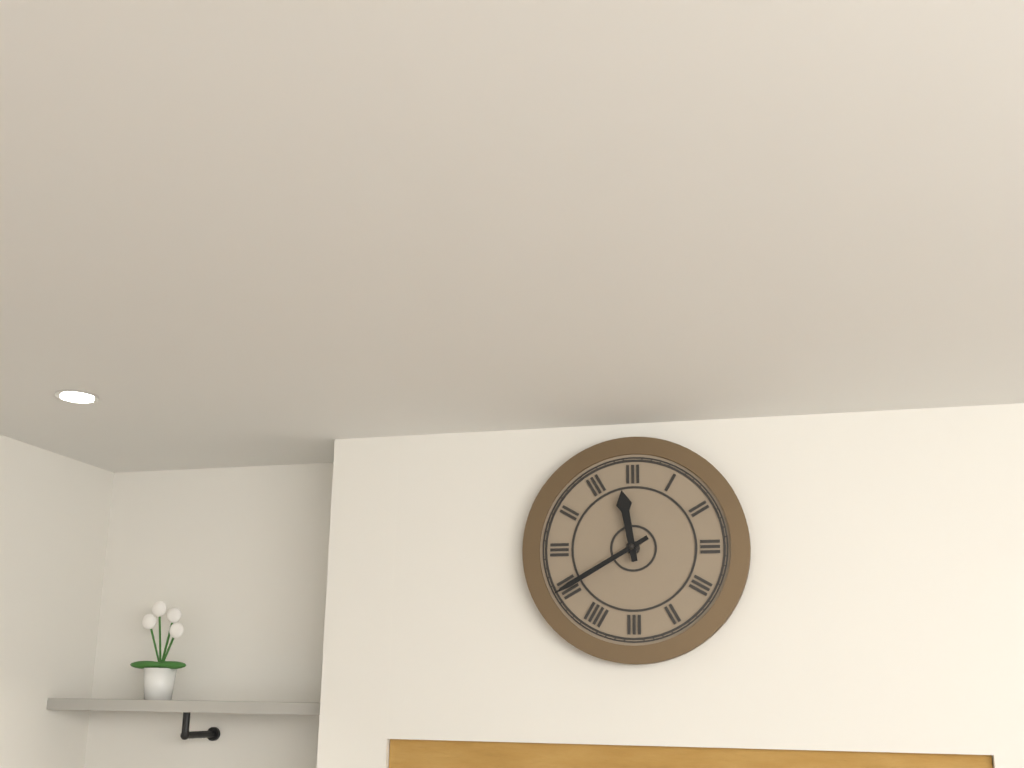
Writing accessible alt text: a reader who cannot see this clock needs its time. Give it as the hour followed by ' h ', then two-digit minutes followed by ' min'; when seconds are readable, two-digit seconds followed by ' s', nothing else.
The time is 11 h 40 min
